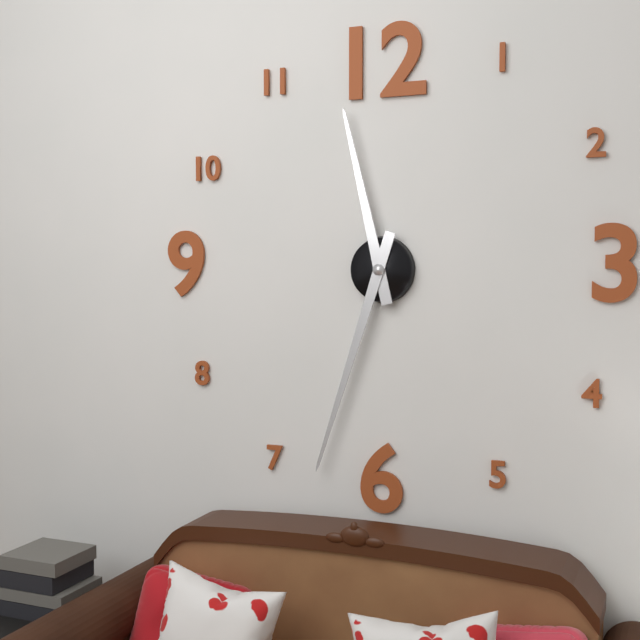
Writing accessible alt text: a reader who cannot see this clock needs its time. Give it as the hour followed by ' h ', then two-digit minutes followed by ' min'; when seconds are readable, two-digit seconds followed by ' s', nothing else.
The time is 11 h 33 min
